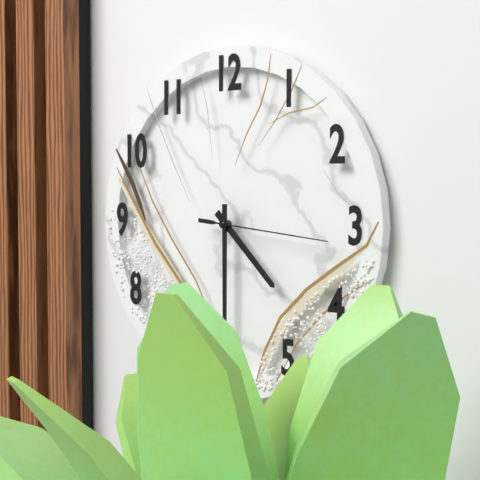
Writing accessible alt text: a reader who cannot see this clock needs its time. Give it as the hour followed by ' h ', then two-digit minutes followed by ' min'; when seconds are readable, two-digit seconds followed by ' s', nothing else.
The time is 4 h 30 min 16 s
